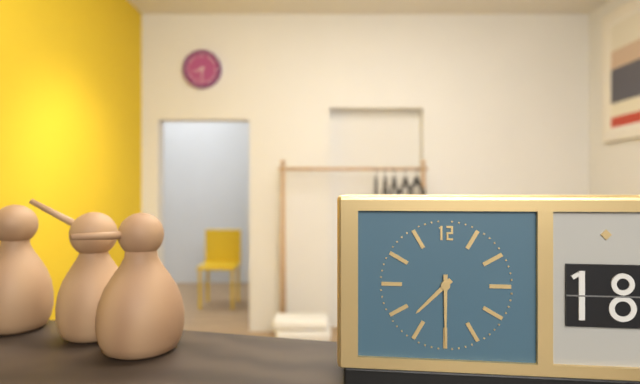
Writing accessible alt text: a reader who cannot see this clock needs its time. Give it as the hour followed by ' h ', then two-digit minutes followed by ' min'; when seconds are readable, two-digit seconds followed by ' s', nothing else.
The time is 7 h 30 min
